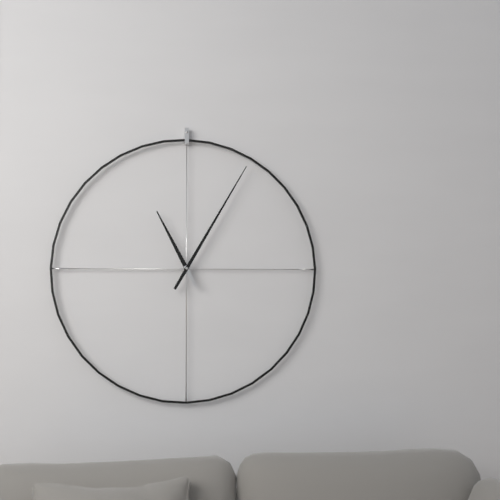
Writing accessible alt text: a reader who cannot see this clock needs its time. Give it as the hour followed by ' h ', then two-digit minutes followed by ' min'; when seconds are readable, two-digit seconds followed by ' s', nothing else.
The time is 11 h 05 min
